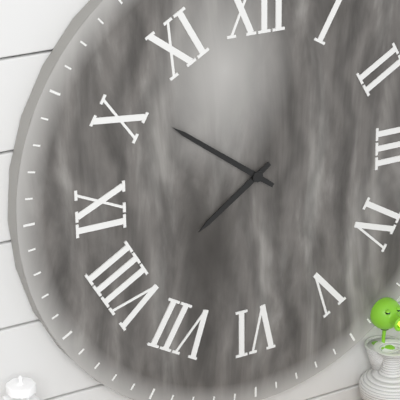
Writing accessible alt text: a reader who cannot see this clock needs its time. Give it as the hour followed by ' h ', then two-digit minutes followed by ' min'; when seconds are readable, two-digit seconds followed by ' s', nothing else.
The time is 7 h 51 min
